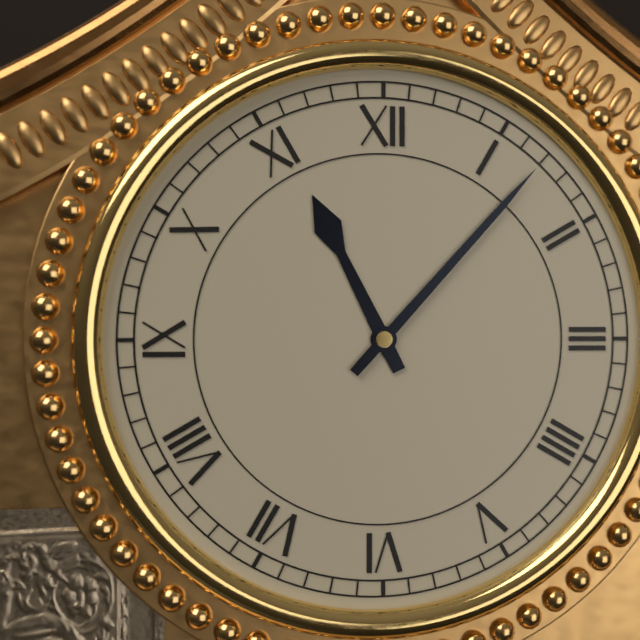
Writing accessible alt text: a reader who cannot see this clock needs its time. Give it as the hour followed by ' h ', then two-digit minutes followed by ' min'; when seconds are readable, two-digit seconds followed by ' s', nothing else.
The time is 11 h 07 min
